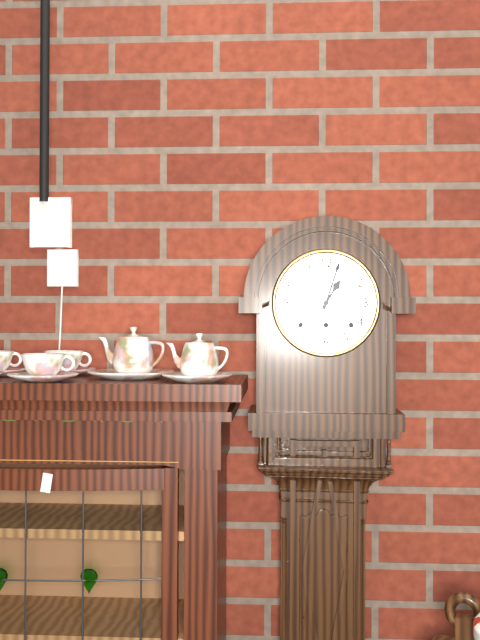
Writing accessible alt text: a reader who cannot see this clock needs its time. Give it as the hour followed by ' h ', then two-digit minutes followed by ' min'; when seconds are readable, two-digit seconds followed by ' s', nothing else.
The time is 1 h 03 min
